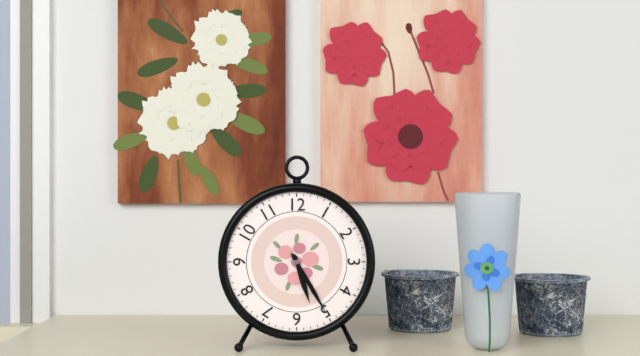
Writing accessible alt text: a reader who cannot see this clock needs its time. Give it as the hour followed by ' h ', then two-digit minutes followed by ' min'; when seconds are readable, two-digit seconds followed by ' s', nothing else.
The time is 5 h 25 min
